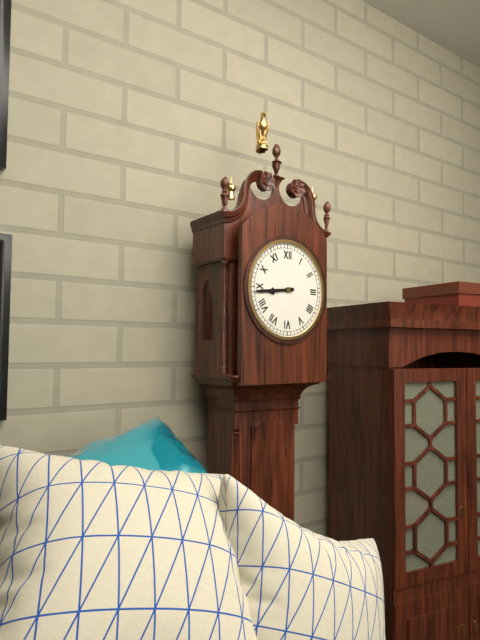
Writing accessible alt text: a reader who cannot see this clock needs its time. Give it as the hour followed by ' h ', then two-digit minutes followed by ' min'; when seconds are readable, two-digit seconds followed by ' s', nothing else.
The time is 8 h 44 min
